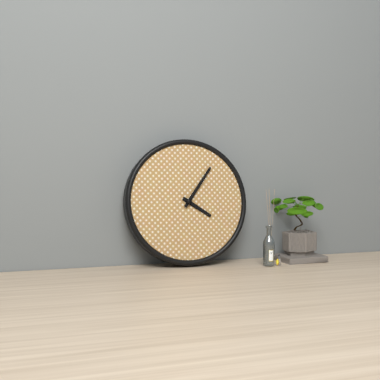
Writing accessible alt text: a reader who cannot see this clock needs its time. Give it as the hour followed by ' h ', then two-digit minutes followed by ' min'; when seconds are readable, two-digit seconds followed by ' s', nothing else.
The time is 4 h 06 min
